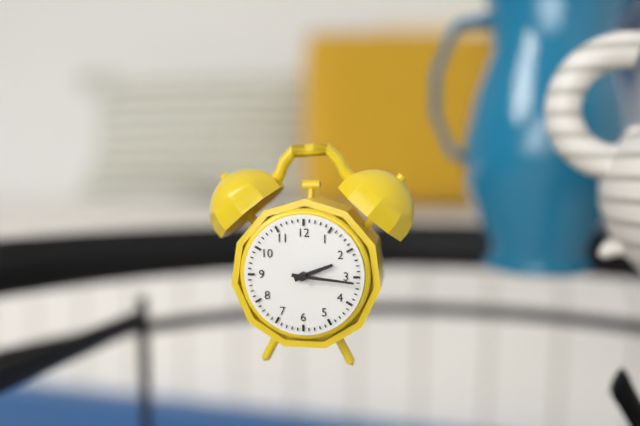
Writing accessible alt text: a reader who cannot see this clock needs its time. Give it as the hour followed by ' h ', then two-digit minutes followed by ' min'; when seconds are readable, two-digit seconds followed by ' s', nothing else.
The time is 2 h 16 min
